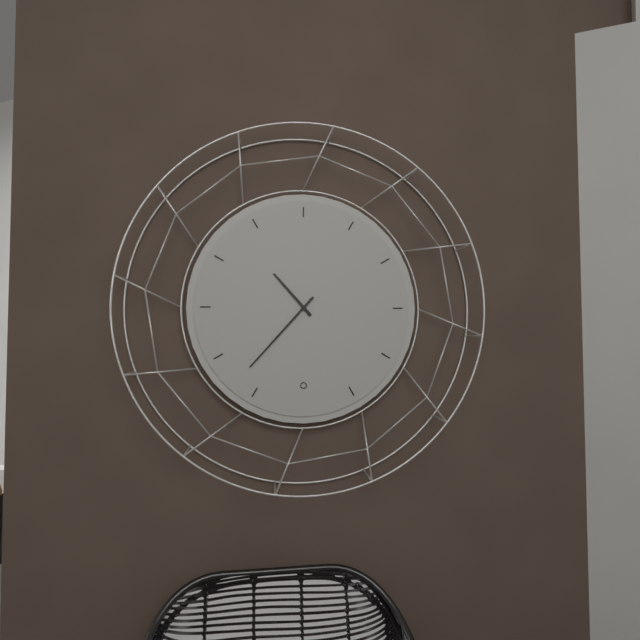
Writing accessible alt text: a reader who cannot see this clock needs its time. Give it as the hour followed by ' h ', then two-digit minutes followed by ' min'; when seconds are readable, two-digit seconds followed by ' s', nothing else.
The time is 10 h 37 min
